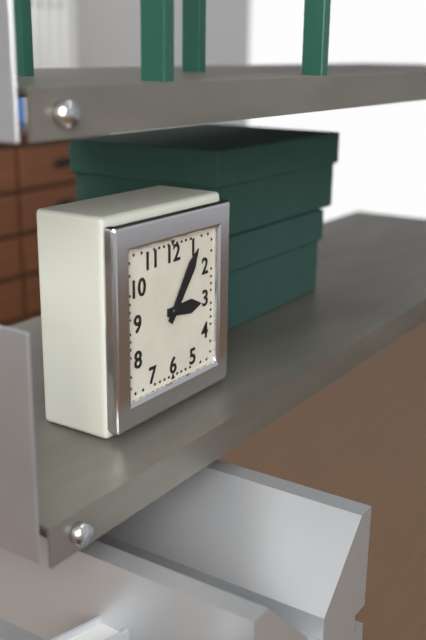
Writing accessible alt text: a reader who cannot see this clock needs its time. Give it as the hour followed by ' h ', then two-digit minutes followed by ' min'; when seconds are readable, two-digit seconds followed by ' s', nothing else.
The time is 3 h 06 min
